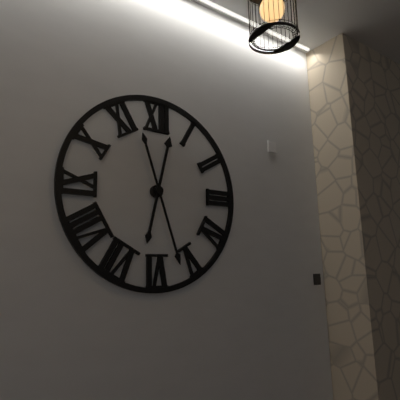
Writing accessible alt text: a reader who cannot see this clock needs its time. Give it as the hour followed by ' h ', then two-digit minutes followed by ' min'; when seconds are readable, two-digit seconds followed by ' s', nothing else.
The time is 12 h 27 min
